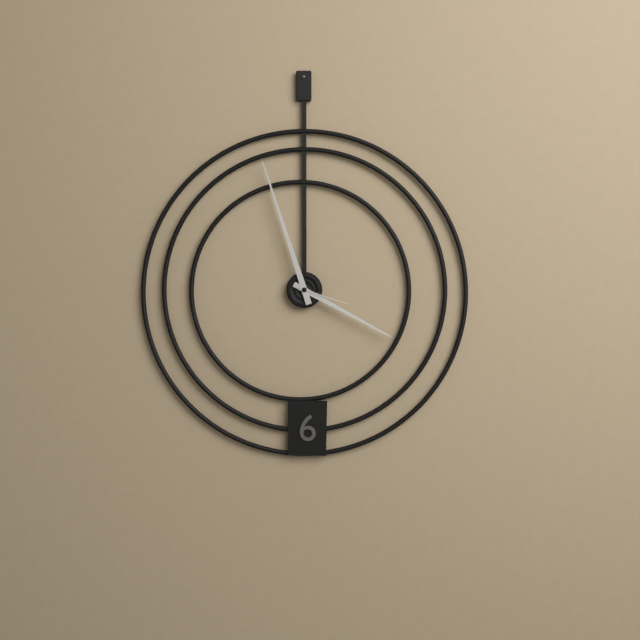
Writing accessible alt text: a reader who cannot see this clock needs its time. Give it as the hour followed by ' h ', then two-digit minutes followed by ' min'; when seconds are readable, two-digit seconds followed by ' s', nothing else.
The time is 3 h 57 min 18 s
